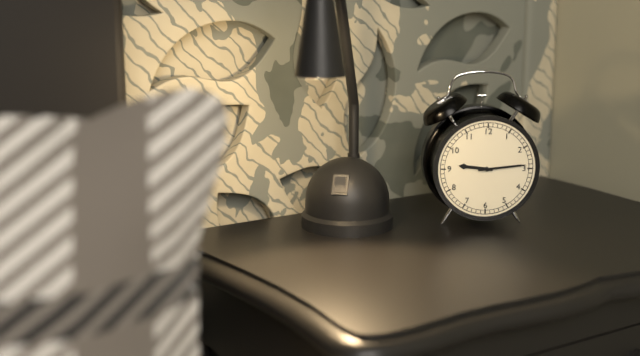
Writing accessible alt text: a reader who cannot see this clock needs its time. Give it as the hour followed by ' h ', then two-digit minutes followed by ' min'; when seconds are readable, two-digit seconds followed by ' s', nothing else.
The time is 9 h 14 min
